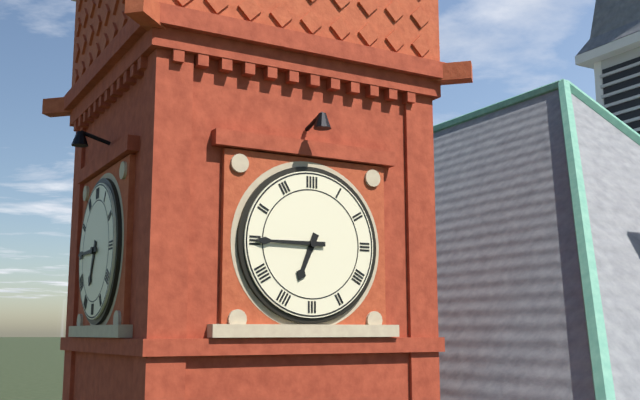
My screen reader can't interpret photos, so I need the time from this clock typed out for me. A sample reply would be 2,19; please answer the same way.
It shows 6,45
